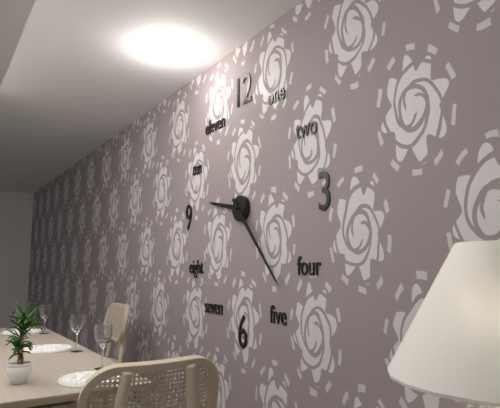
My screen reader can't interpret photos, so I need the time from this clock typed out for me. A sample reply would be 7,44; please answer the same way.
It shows 9,23
